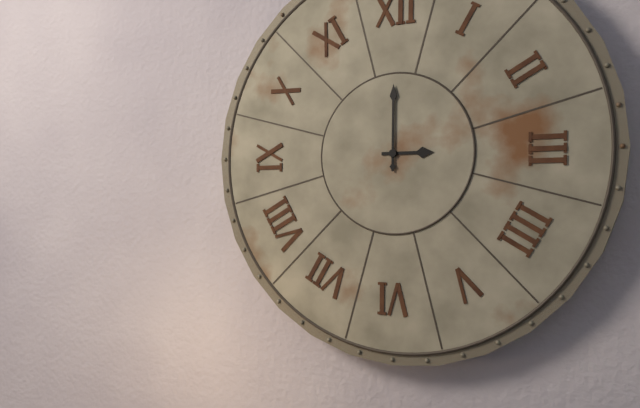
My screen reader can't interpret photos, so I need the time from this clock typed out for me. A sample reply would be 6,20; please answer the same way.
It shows 3,00
